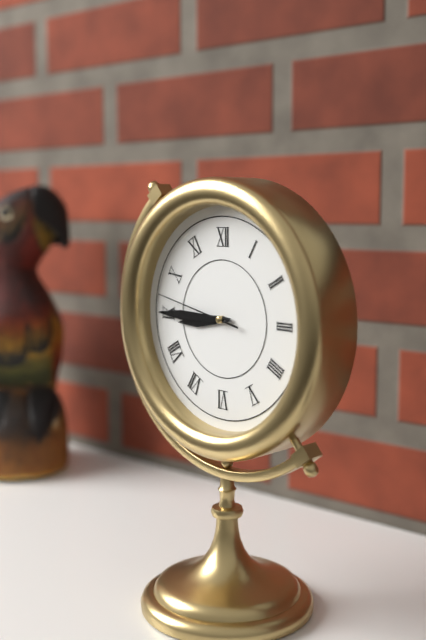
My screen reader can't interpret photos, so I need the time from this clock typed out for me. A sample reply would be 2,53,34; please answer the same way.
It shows 8,45,47
